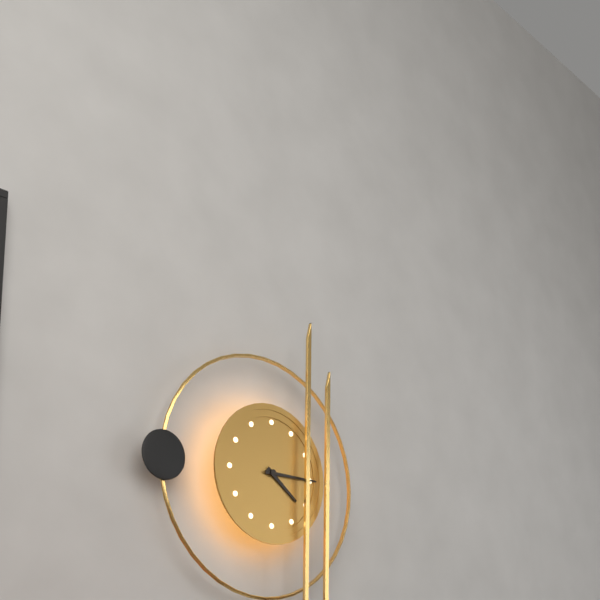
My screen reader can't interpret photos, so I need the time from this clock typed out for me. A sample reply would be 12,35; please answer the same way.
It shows 4,15
